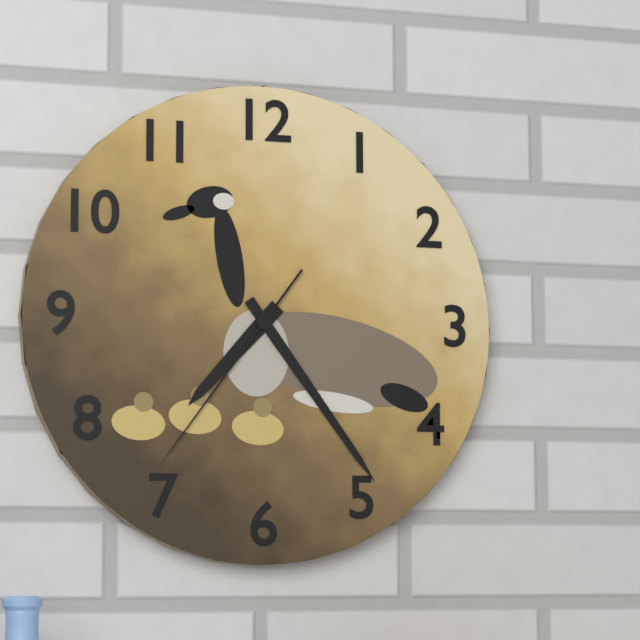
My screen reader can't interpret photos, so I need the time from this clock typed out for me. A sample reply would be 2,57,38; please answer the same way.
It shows 7,24,36
